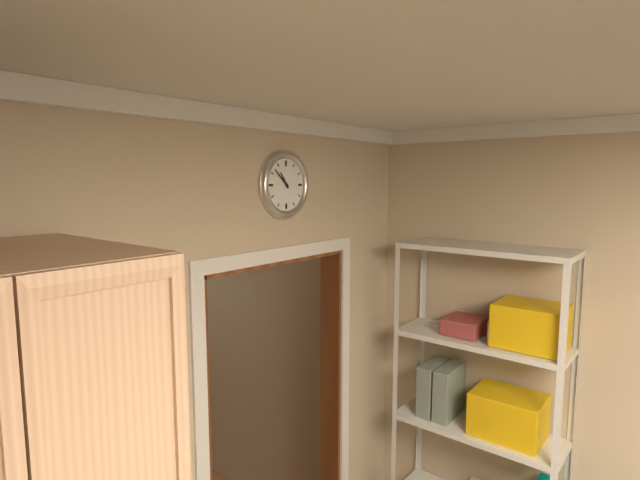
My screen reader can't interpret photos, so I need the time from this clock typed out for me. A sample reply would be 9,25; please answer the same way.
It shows 10,52
